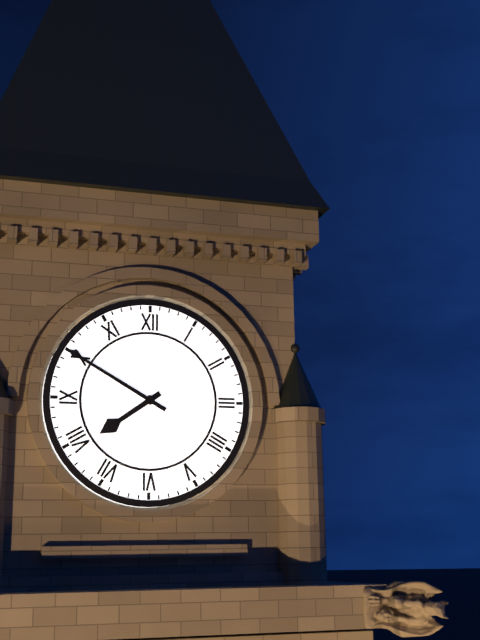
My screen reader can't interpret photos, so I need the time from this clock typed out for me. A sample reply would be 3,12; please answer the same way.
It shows 7,50
